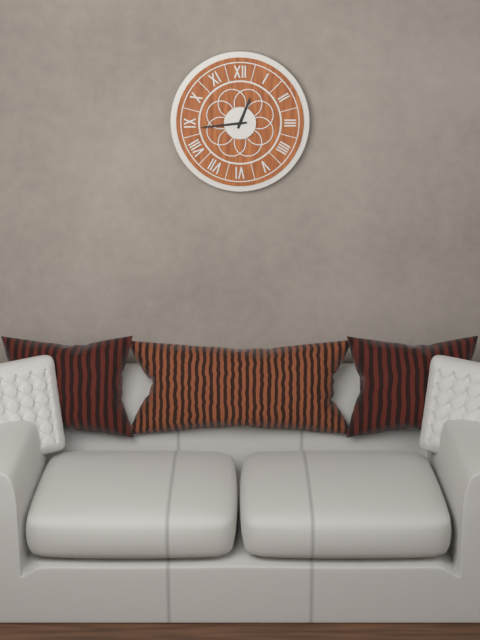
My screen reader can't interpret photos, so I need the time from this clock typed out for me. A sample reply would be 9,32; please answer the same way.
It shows 12,44
